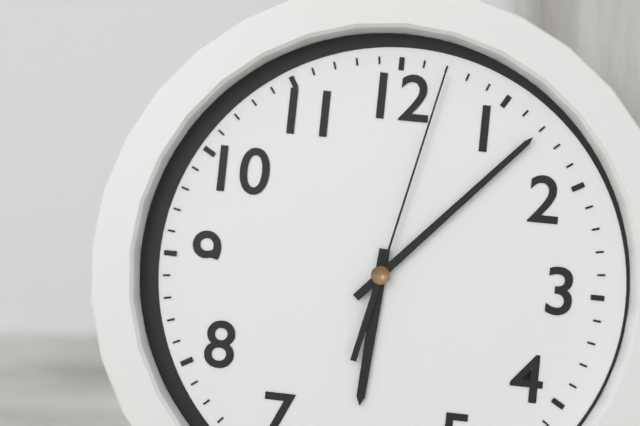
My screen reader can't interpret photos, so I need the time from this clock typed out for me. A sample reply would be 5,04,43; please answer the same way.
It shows 6,07,02
